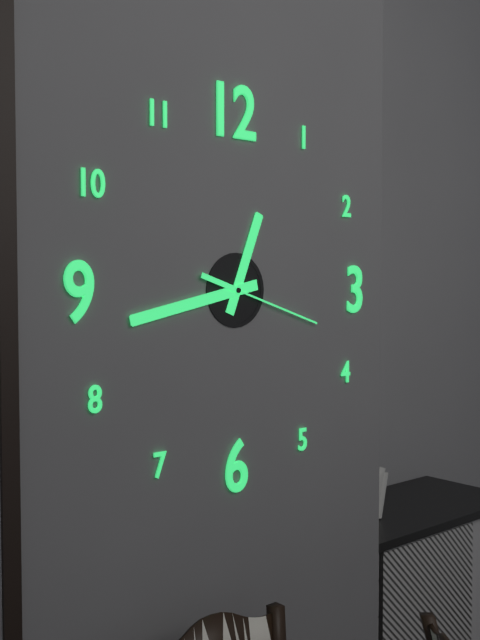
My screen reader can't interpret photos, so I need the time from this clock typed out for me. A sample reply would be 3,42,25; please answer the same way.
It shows 12,43,18
